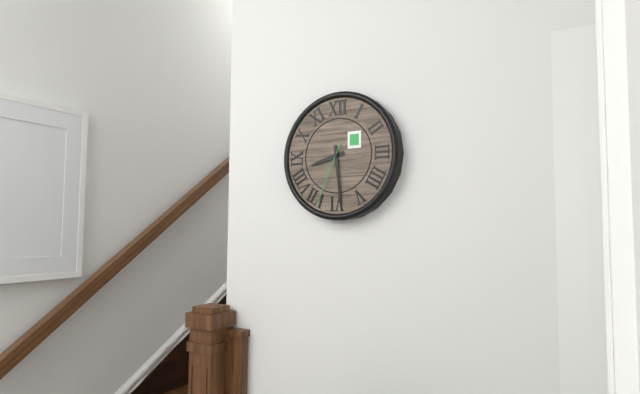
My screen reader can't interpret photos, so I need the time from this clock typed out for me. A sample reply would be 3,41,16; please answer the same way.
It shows 8,29,34
